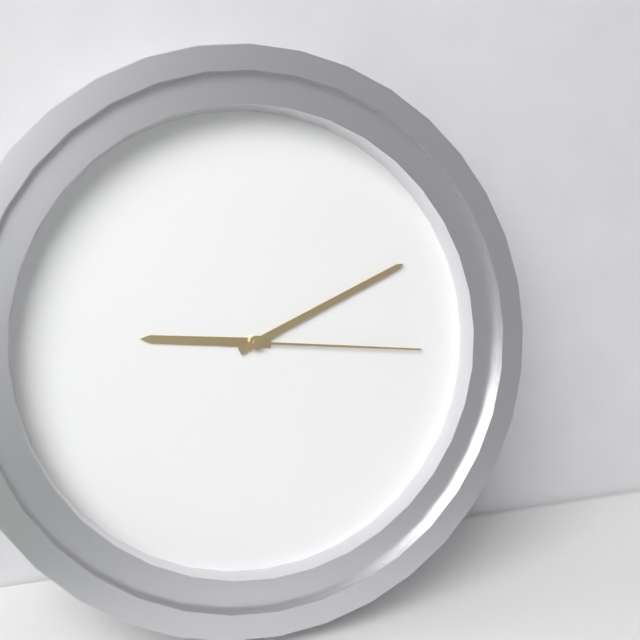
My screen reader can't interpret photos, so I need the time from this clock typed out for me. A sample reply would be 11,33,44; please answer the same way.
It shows 9,11,16
